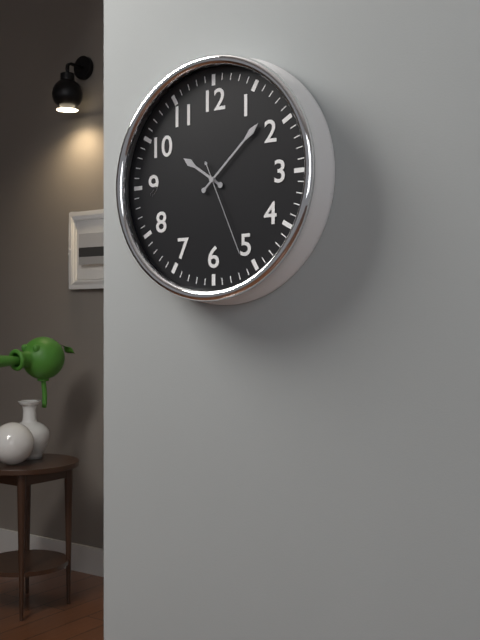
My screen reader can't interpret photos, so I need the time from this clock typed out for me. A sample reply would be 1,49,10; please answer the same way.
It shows 10,08,26
